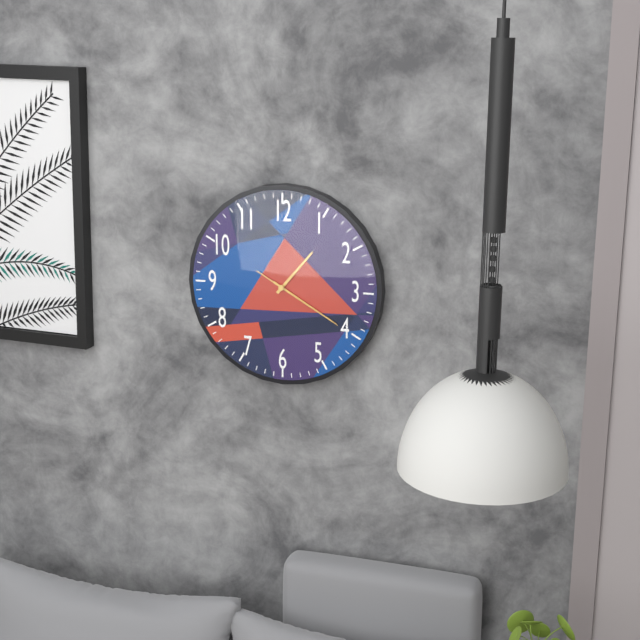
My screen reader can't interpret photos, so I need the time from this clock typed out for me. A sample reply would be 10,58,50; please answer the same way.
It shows 1,20,20
